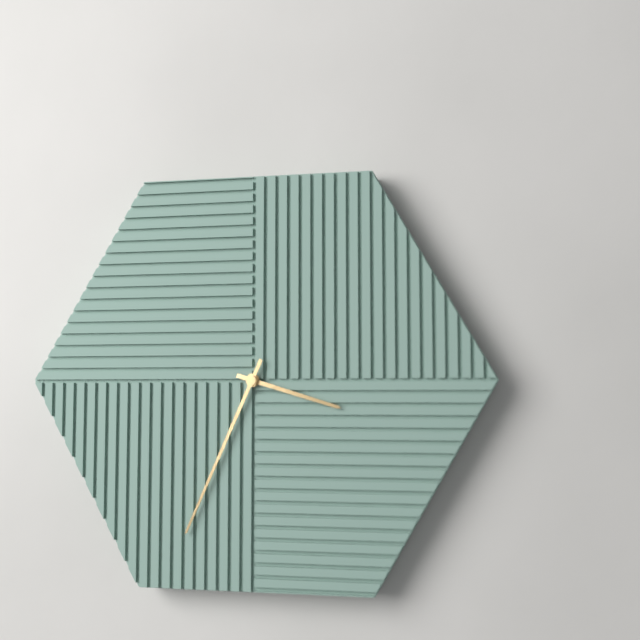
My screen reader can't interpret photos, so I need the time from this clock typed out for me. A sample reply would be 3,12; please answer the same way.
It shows 3,34
